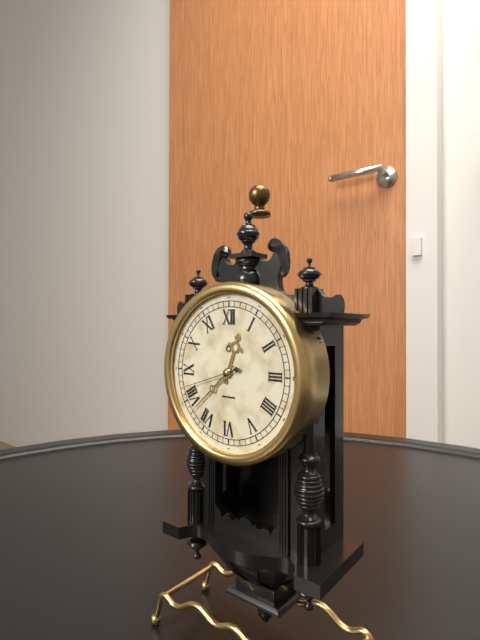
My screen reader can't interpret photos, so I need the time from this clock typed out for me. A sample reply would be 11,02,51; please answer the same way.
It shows 12,38,42
